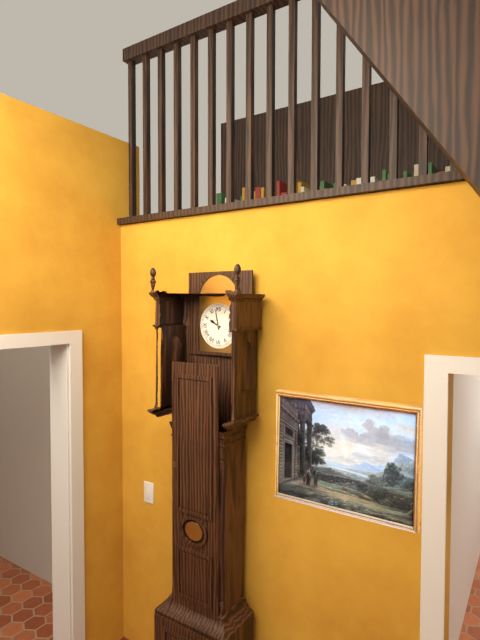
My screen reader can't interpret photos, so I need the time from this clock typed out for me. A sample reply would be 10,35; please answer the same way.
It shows 9,58
